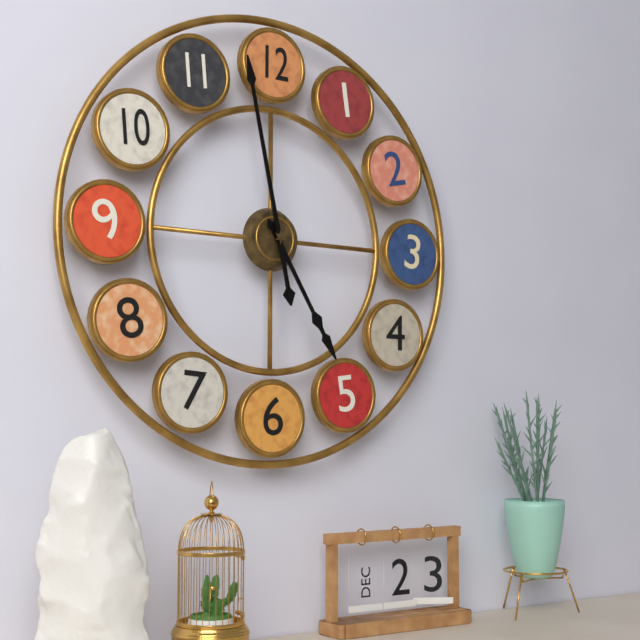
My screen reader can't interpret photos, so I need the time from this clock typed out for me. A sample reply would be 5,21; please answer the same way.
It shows 4,58
